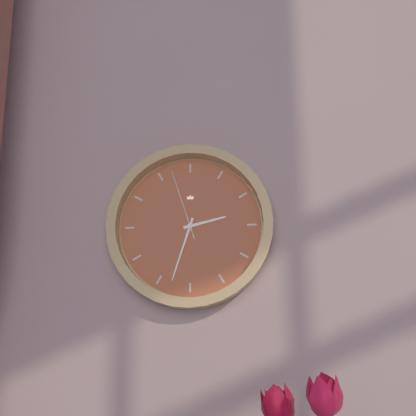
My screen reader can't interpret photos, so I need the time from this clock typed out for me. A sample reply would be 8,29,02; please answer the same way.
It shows 2,33,57
